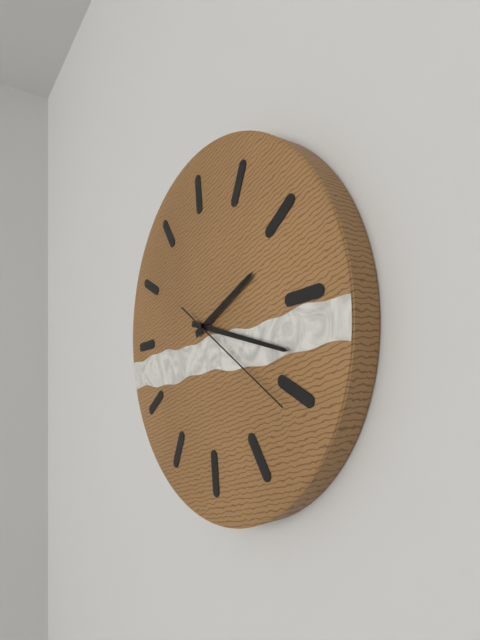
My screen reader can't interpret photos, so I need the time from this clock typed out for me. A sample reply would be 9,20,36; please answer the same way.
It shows 2,18,21
